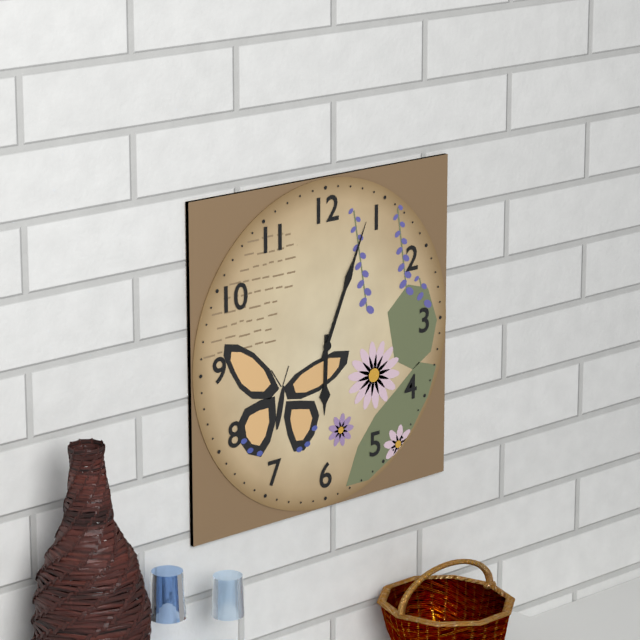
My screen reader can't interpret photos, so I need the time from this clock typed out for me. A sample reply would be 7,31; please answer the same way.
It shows 6,04
